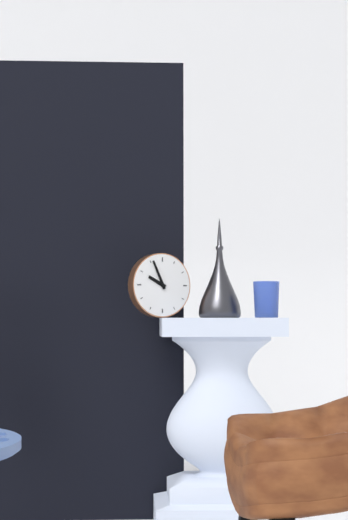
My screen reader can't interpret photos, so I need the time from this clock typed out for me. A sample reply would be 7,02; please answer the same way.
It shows 9,56
